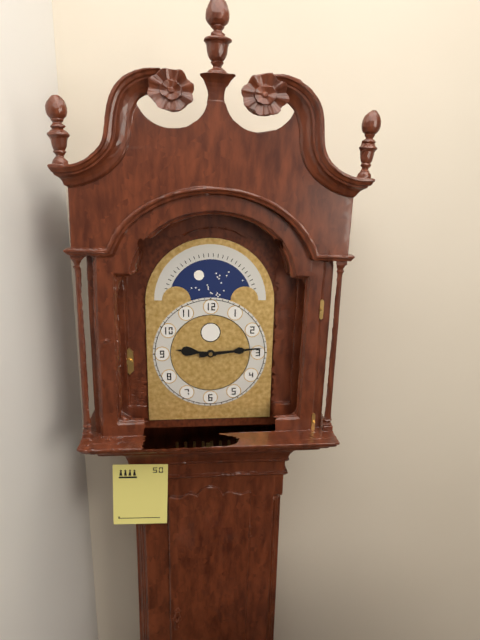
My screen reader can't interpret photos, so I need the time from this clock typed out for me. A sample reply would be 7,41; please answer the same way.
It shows 9,14
